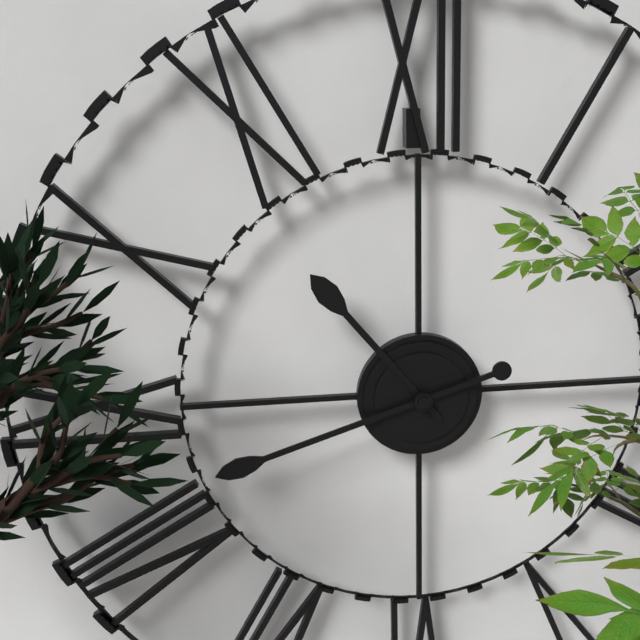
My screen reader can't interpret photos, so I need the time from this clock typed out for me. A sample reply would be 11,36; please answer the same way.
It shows 10,42
